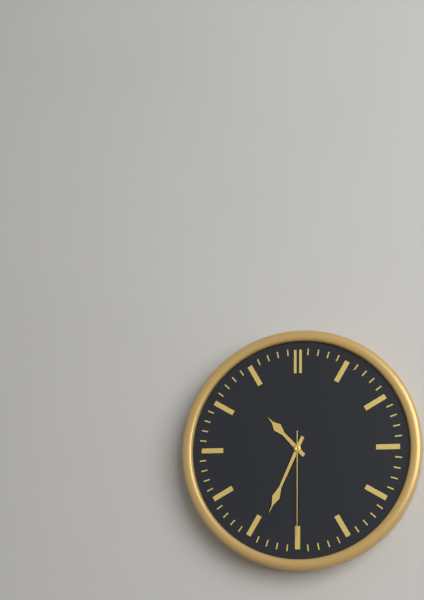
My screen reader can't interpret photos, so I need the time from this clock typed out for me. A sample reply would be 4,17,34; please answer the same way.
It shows 10,34,30
